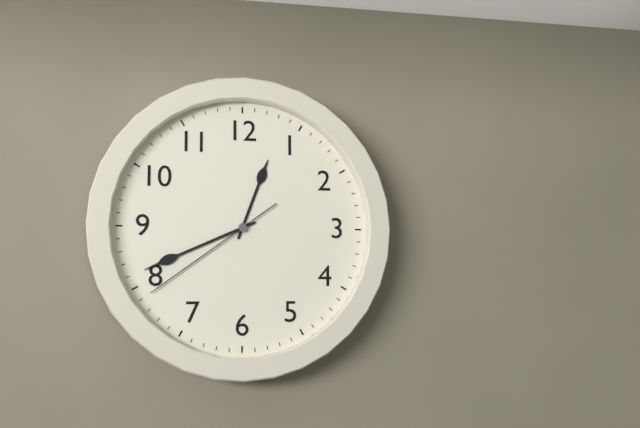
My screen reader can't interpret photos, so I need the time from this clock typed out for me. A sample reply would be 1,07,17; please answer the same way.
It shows 12,41,39
